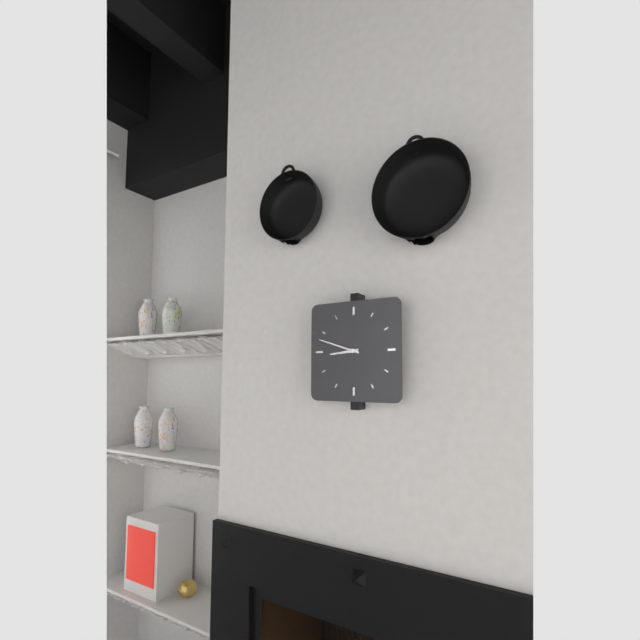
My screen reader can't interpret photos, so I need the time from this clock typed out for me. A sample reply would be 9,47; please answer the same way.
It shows 8,48
